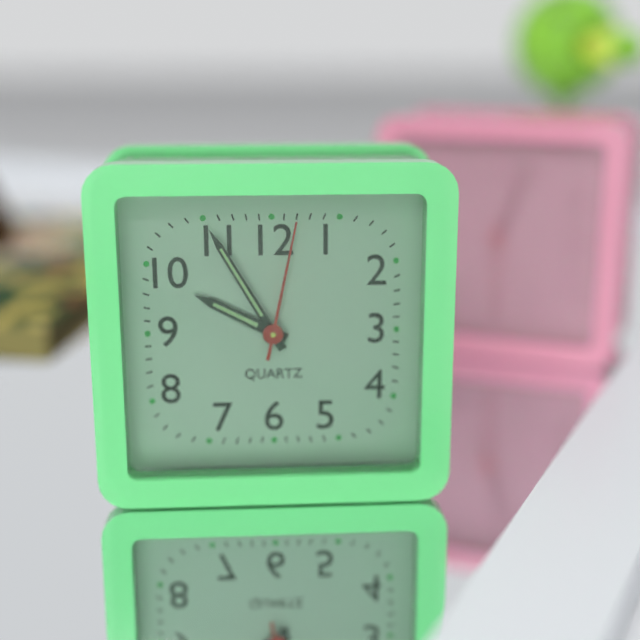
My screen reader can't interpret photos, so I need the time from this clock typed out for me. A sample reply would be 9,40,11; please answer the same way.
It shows 9,55,02
